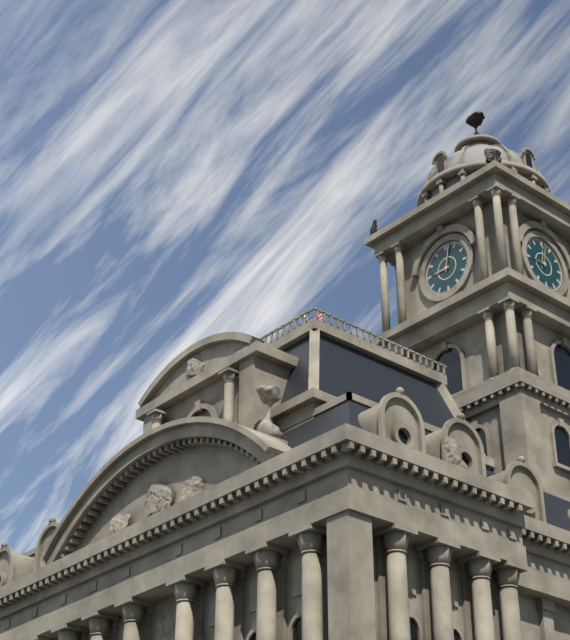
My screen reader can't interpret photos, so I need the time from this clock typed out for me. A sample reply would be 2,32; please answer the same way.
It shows 9,02
